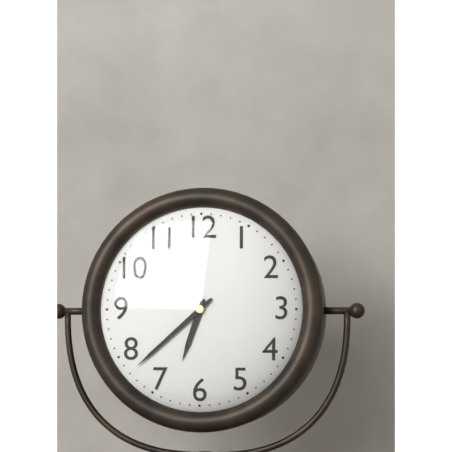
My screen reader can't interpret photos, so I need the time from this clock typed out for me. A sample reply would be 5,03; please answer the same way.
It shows 6,38
